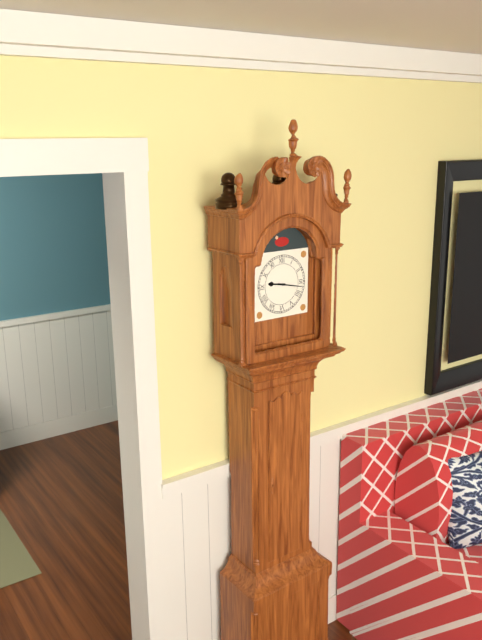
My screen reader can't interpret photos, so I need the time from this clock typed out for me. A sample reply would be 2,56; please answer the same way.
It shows 9,17
